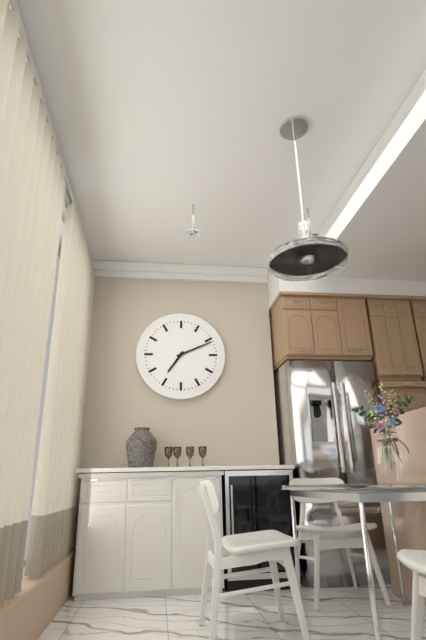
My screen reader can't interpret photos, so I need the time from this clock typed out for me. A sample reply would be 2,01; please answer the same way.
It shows 7,11
